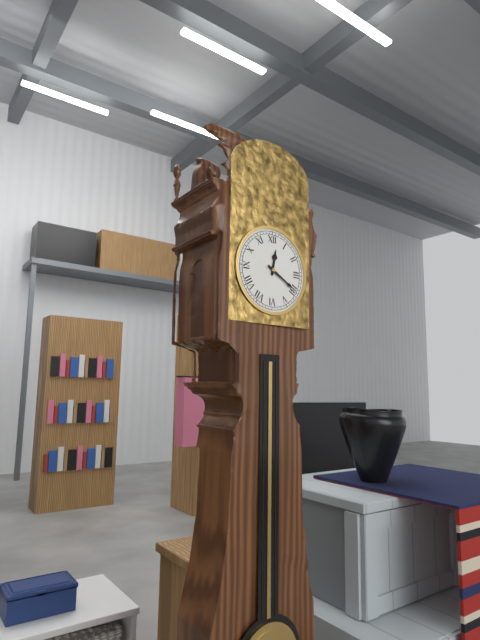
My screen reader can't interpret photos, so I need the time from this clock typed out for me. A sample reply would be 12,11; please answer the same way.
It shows 12,20
